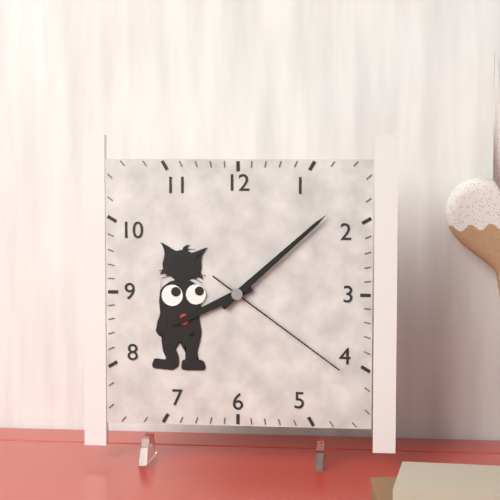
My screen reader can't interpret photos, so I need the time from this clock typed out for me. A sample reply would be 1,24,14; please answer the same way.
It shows 8,08,21
